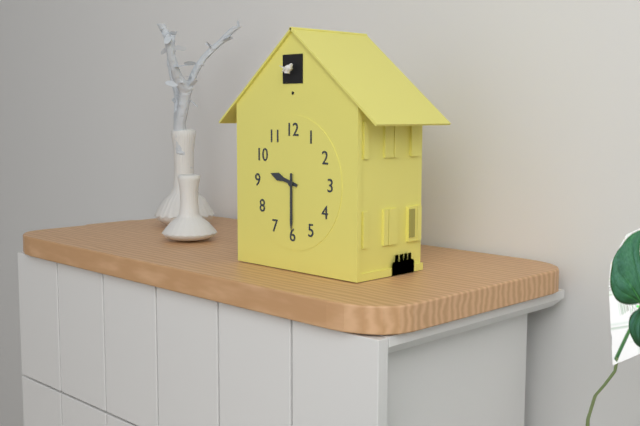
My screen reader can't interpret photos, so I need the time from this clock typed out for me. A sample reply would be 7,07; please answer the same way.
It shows 9,30
